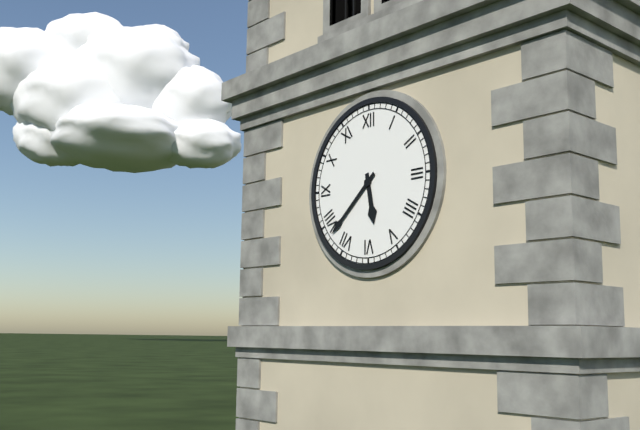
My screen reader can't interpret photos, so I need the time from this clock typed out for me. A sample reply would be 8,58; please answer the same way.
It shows 5,38
